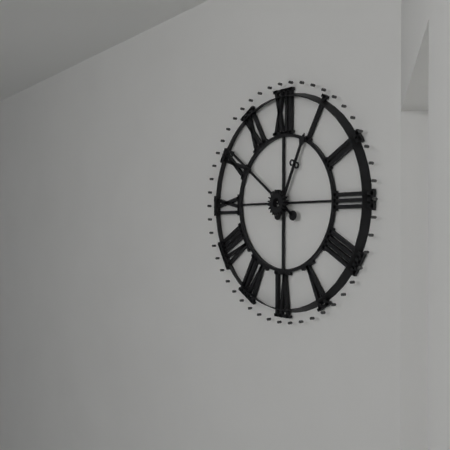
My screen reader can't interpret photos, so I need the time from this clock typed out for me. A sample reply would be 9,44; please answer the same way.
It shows 12,51
